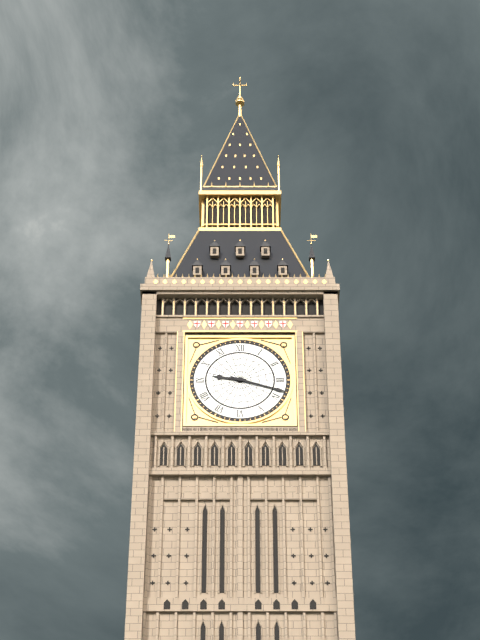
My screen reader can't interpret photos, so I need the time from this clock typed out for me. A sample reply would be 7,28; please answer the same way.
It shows 9,18
